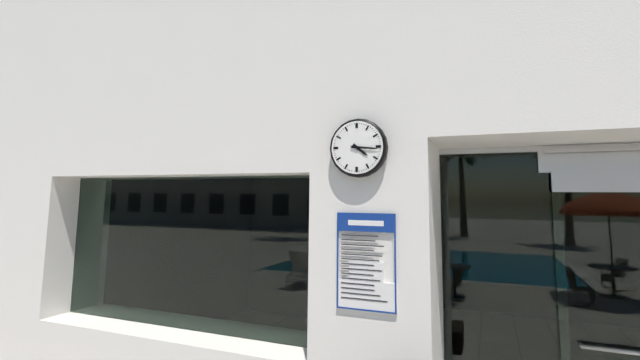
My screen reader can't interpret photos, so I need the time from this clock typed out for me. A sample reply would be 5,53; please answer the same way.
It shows 4,16
